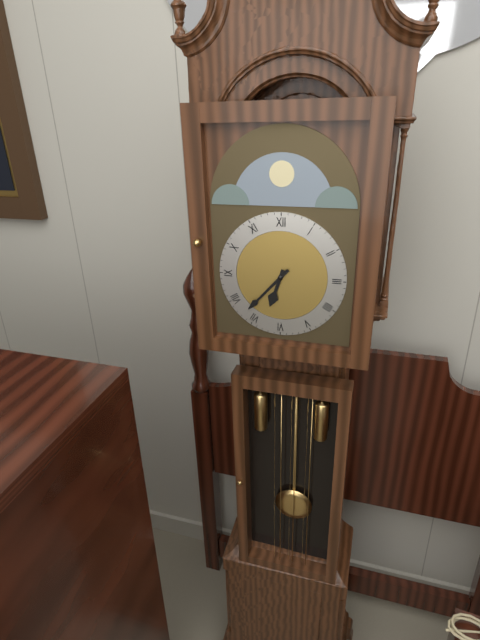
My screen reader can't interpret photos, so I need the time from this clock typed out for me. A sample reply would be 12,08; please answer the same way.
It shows 6,37
